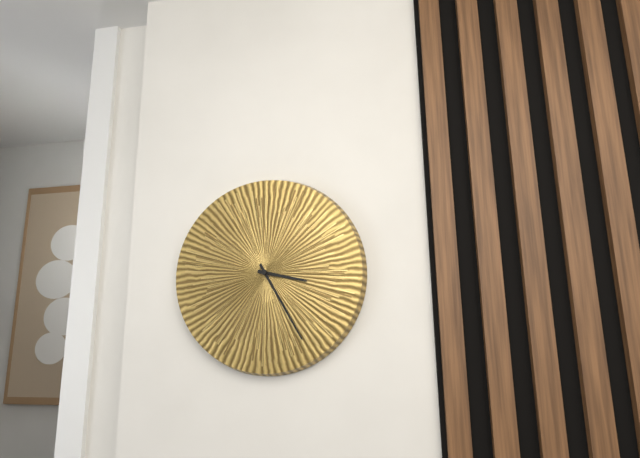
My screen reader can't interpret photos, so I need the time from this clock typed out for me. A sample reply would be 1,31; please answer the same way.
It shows 3,25
